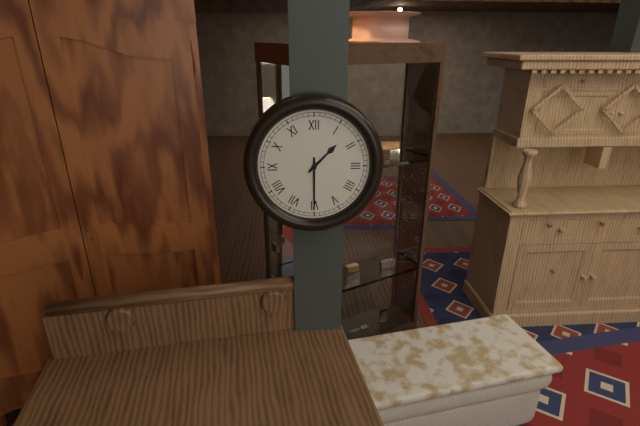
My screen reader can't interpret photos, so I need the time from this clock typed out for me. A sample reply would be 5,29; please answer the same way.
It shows 1,30
